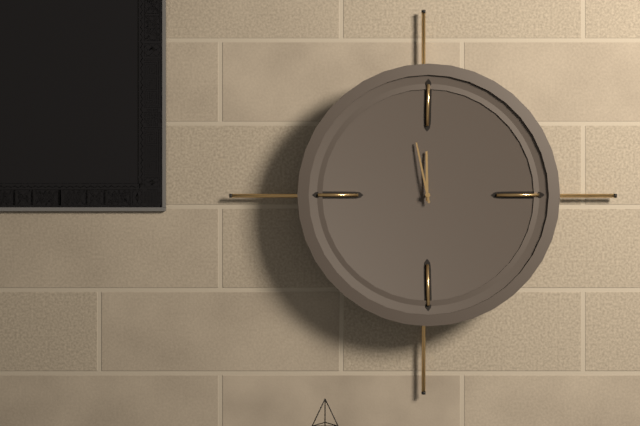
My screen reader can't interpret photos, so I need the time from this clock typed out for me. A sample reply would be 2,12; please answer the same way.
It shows 11,58
